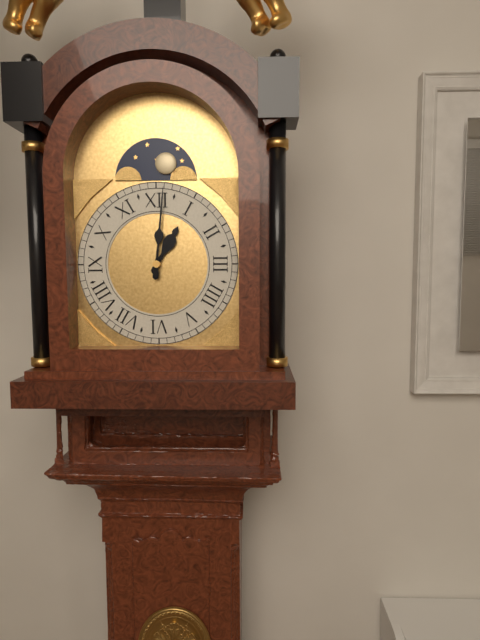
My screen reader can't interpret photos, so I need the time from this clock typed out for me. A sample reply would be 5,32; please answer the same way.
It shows 1,01
